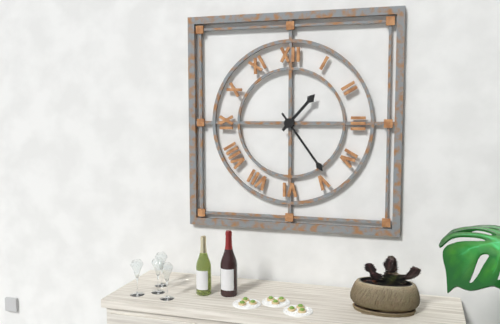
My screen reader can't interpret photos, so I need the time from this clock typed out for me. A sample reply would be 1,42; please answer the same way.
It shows 1,24
